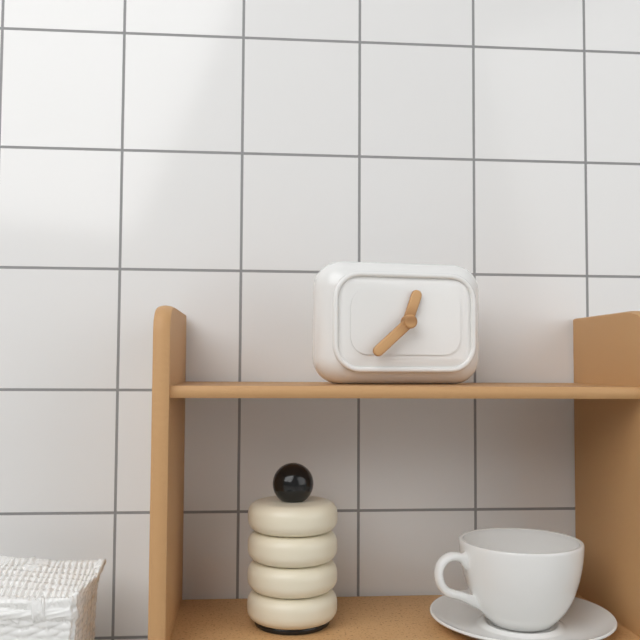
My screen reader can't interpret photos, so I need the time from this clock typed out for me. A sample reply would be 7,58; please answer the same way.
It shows 12,38
